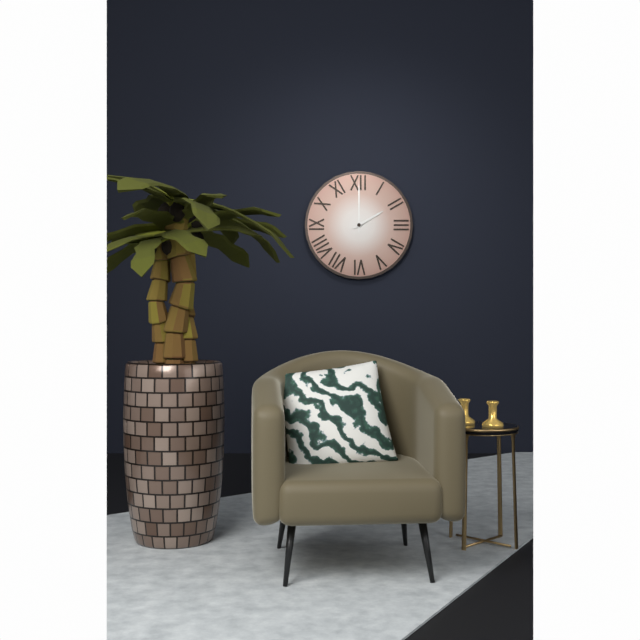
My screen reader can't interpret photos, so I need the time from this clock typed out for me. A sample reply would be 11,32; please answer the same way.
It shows 2,00
